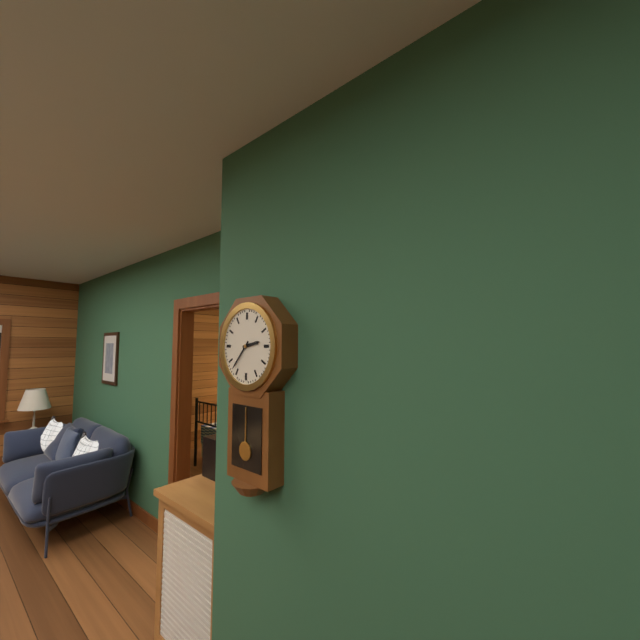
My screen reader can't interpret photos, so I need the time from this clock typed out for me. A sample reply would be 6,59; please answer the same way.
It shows 2,37
